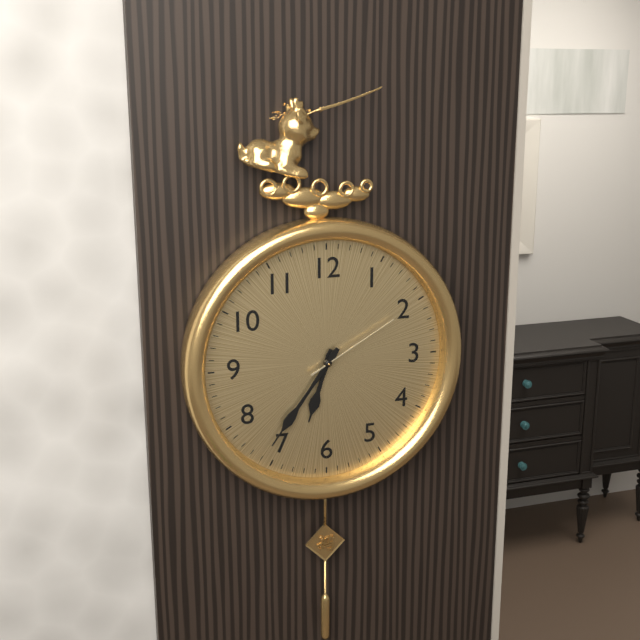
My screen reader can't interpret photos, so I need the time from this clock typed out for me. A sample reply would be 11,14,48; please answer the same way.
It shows 6,36,10
